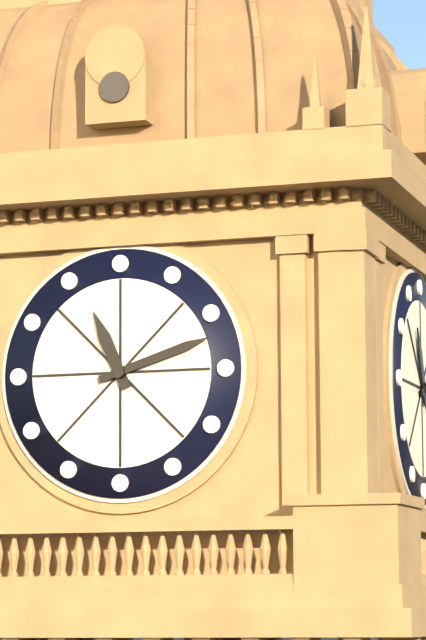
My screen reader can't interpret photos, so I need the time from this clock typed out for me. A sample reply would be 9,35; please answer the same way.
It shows 11,12
